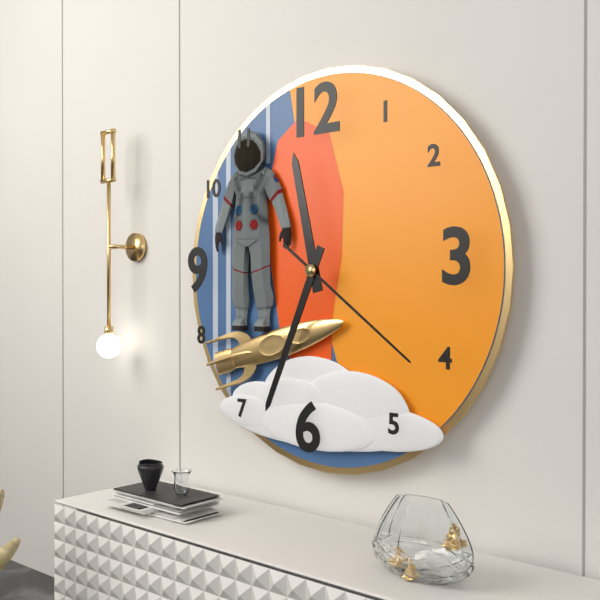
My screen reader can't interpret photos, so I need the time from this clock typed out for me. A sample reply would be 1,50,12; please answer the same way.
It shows 11,34,21
